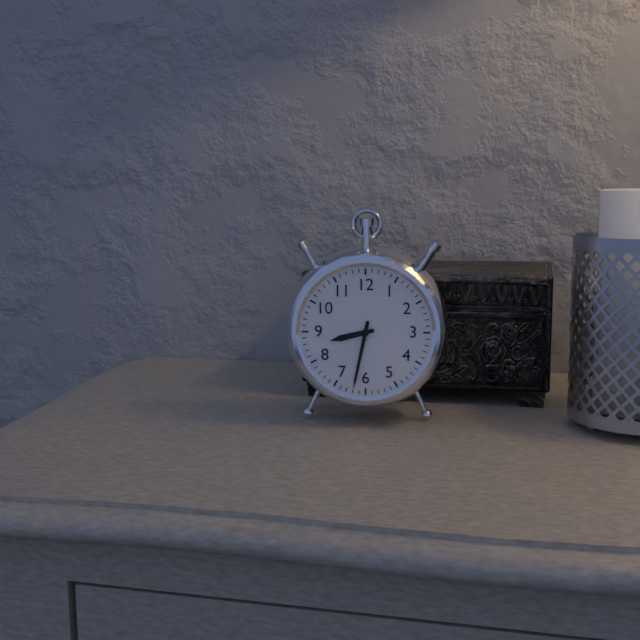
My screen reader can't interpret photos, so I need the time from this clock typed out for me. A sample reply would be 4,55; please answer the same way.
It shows 8,32
